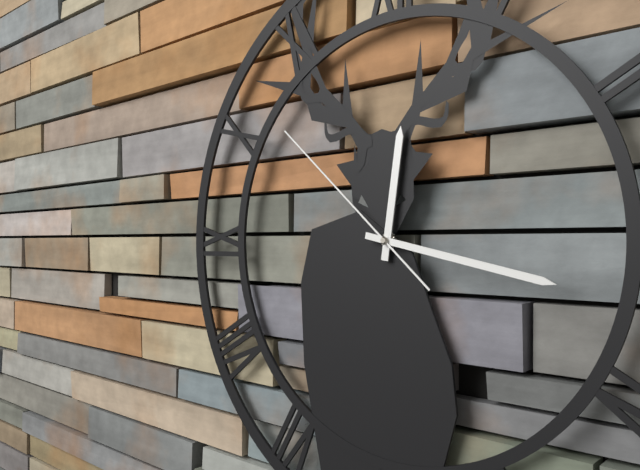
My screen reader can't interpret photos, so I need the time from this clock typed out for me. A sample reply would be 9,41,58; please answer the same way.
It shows 12,17,52
